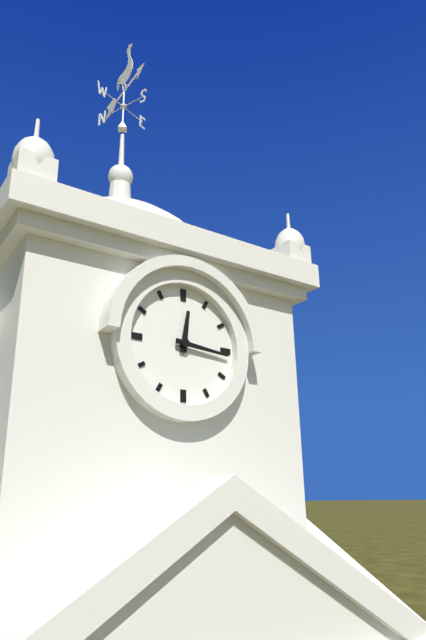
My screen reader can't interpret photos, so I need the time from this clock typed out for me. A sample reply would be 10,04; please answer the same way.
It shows 12,16
